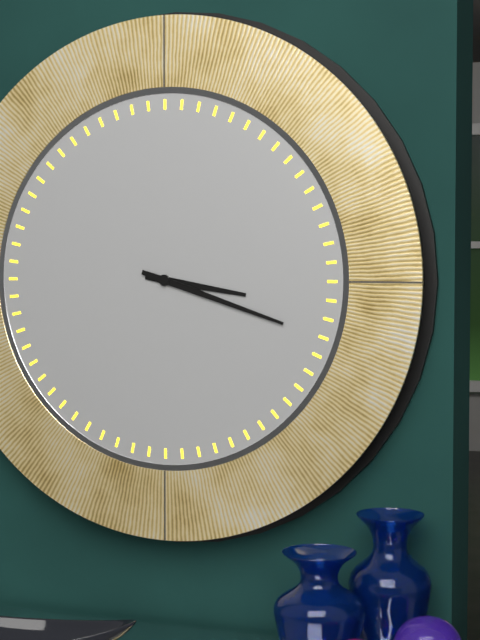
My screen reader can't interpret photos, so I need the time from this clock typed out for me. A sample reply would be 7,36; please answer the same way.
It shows 3,18
